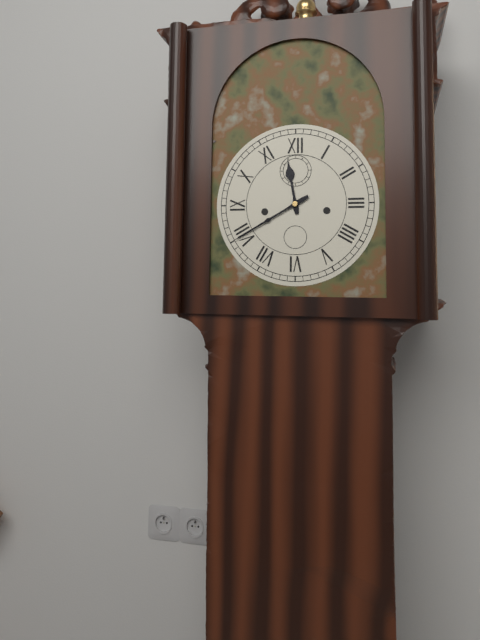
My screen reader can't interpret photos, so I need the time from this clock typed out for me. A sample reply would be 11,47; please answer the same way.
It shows 11,40
